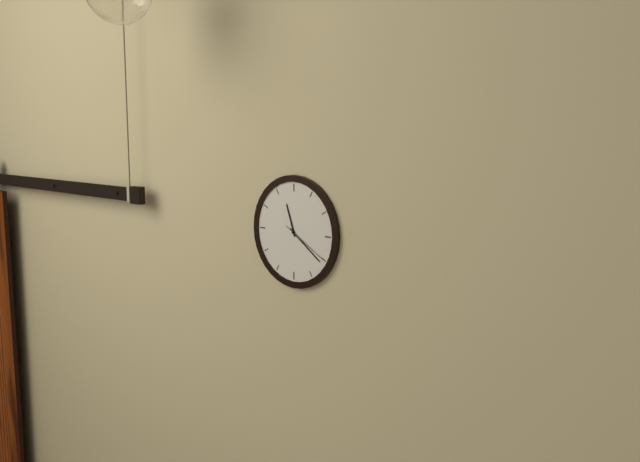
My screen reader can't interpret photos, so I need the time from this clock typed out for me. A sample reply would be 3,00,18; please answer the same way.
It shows 11,21,20
